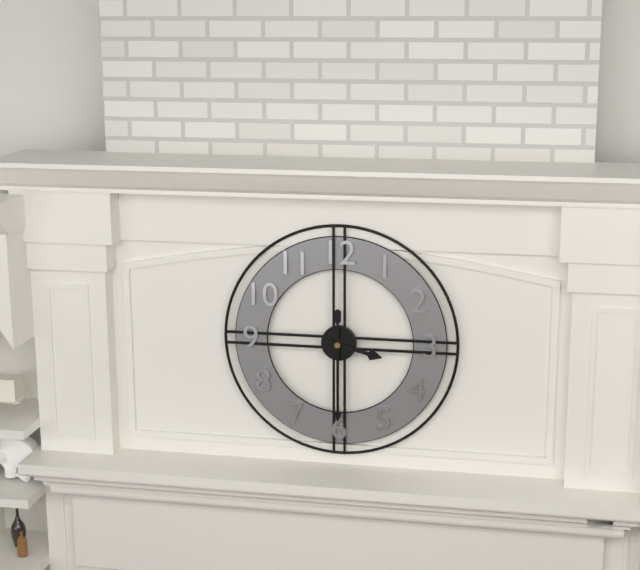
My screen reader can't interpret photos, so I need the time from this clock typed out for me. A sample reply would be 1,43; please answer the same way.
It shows 3,30
